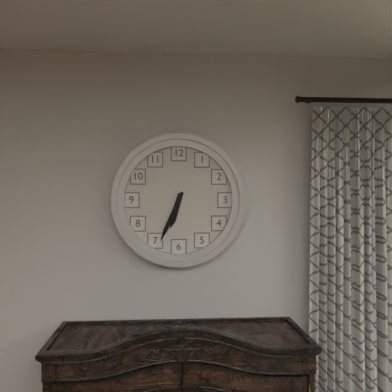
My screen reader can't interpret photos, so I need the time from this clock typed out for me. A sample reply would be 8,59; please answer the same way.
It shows 6,34
